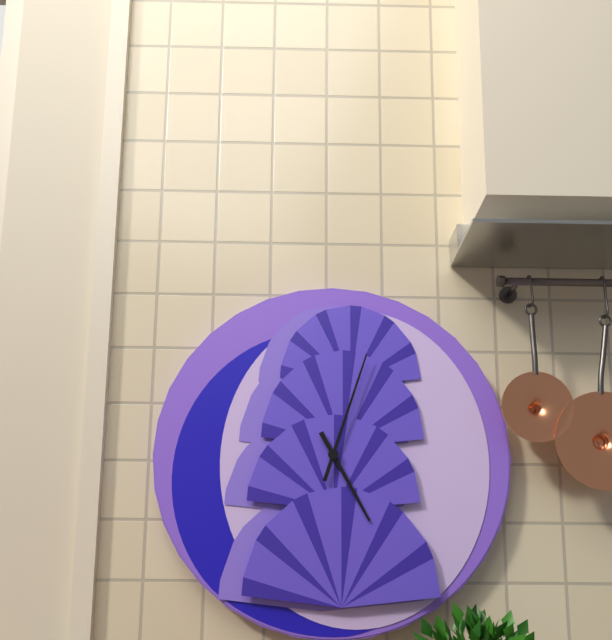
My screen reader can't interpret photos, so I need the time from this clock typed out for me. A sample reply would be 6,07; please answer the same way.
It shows 5,03
